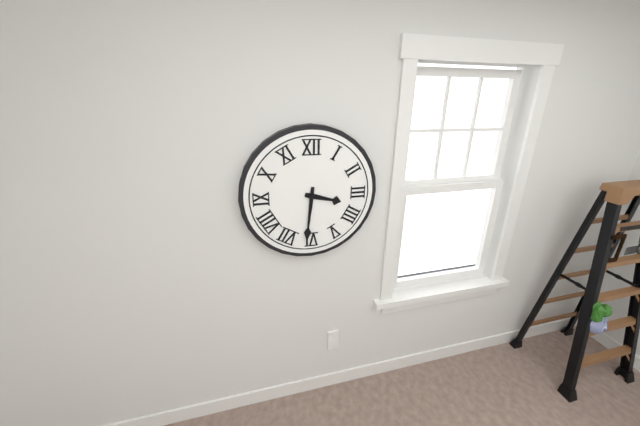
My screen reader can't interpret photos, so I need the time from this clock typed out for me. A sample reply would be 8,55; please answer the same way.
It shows 3,31
